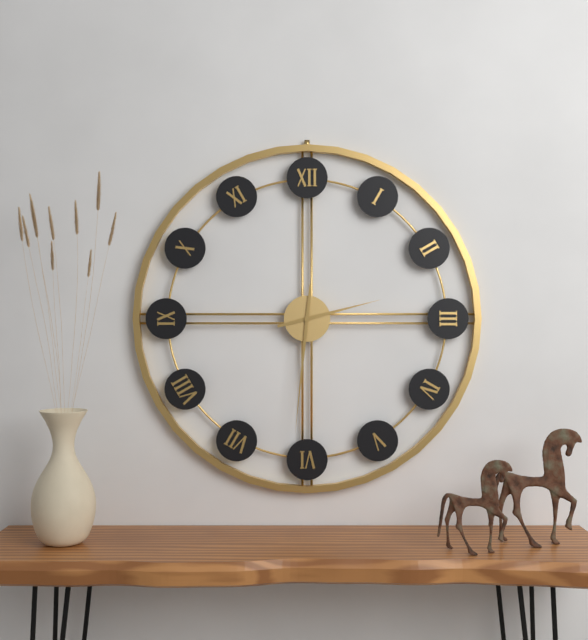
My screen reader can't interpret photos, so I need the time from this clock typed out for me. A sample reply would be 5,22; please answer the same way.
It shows 2,31
